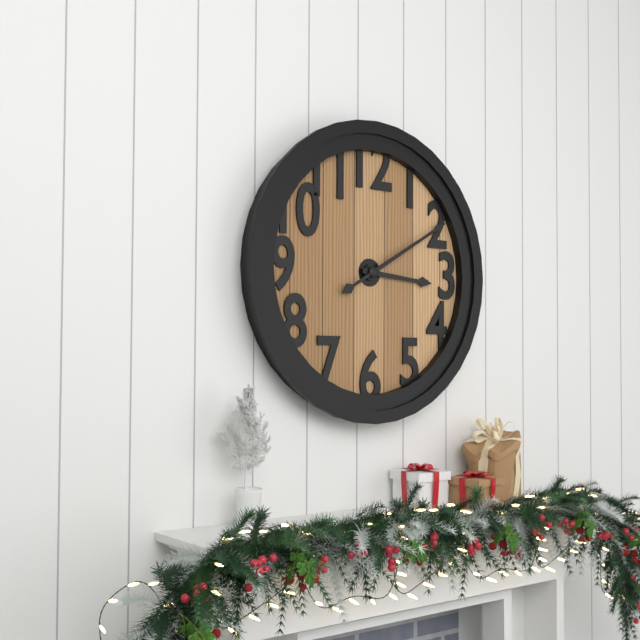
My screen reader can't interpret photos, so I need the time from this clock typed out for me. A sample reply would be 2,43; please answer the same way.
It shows 3,10
